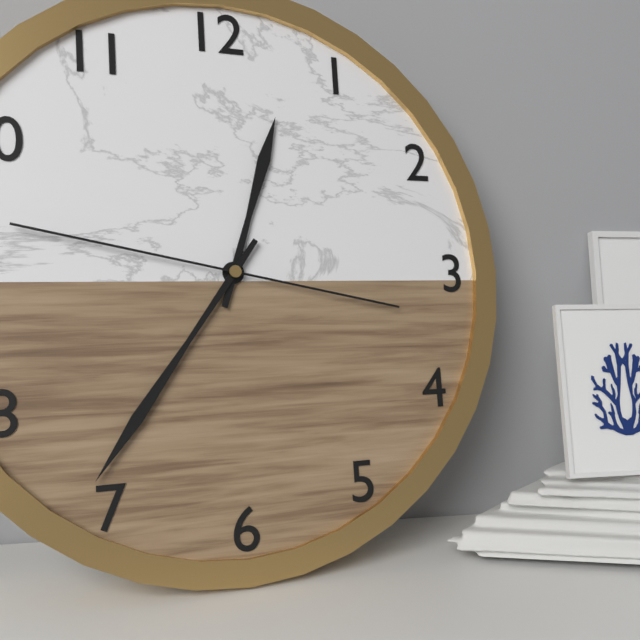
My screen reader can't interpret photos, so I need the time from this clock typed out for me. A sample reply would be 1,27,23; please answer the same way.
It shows 12,36,47
